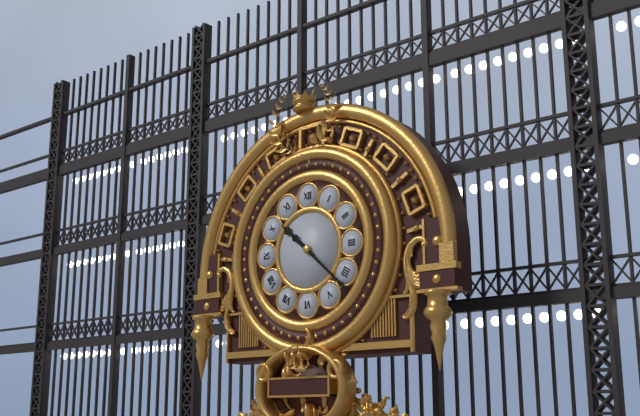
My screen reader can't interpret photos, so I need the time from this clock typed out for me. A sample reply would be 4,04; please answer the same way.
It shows 10,22
